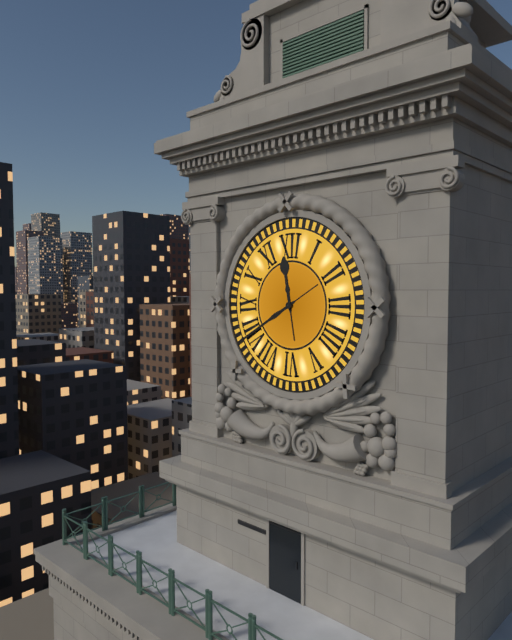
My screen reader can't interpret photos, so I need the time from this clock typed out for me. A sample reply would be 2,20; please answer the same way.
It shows 11,40
